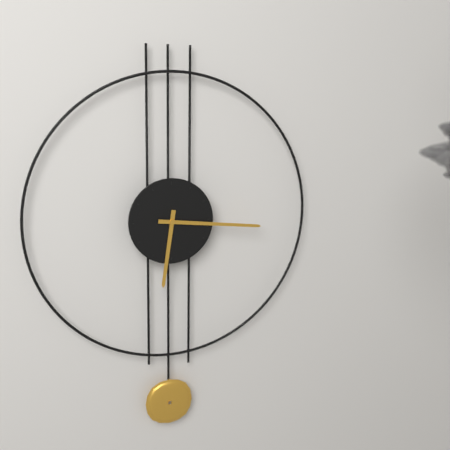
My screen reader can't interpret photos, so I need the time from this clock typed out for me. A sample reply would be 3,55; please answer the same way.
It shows 6,16
